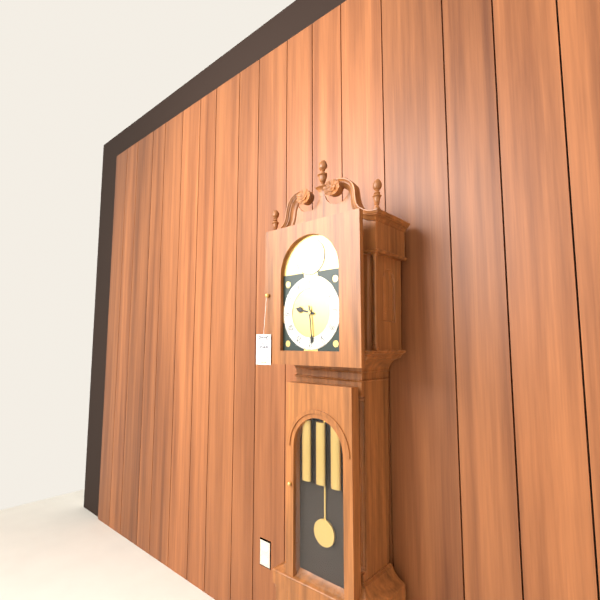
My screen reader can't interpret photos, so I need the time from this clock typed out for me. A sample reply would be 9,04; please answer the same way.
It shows 9,29
